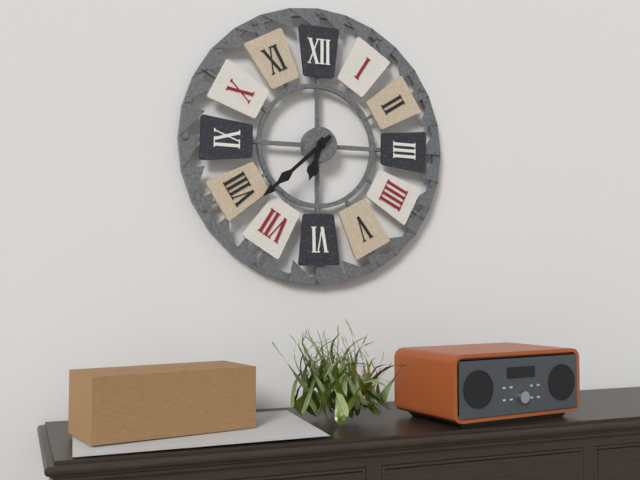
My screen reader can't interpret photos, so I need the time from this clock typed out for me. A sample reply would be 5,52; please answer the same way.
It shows 6,38
